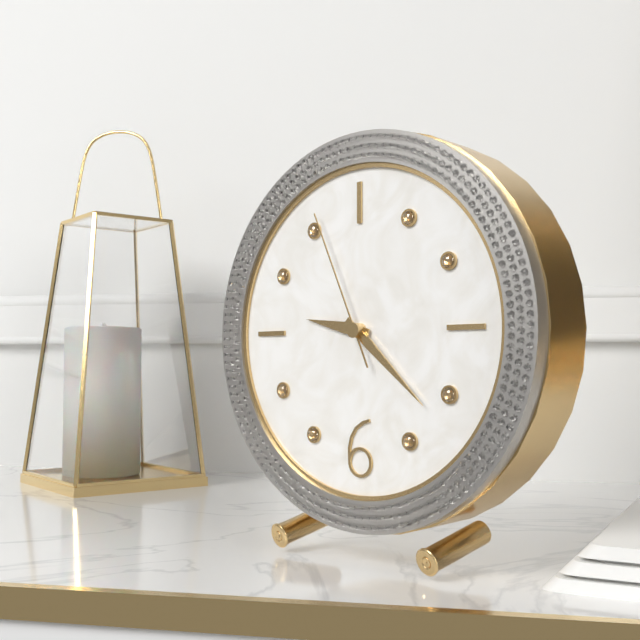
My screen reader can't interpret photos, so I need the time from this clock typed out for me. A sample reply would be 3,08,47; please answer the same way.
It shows 9,22,56
